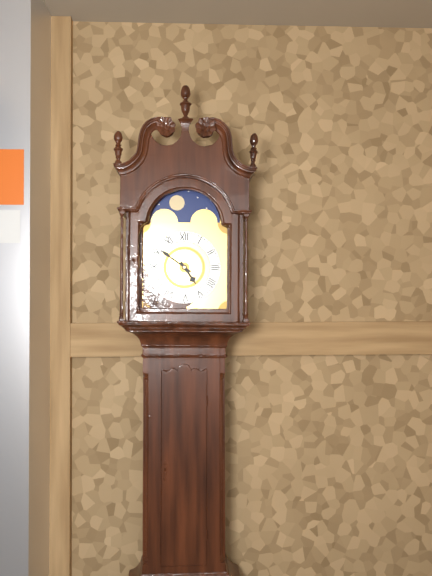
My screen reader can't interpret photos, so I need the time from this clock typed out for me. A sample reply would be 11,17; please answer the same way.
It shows 4,51
